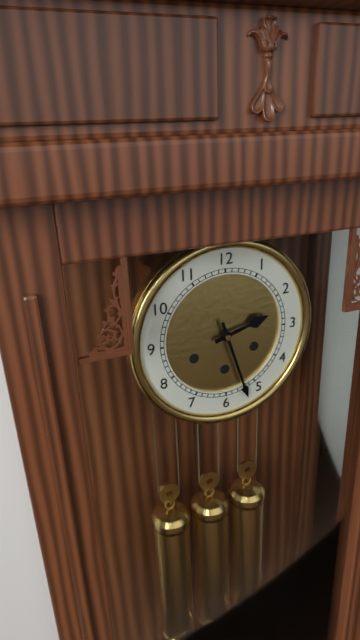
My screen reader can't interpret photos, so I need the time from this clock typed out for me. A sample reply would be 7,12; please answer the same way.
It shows 2,27
